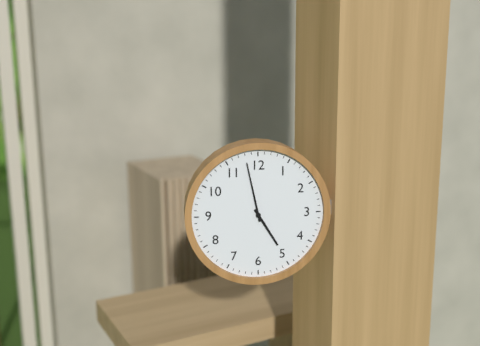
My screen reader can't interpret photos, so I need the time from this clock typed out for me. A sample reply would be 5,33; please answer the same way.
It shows 4,58
